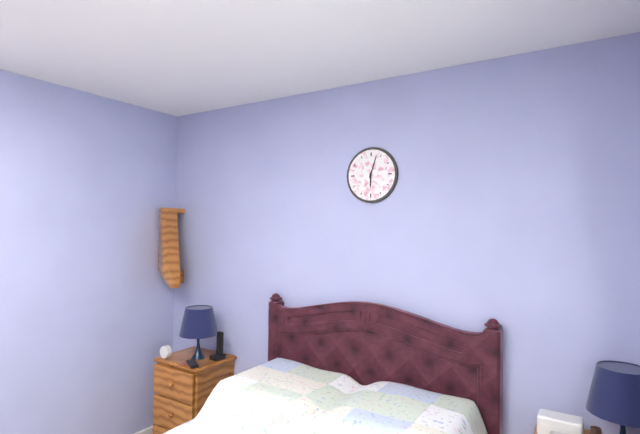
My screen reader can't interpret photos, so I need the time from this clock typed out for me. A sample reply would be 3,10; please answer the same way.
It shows 6,03
